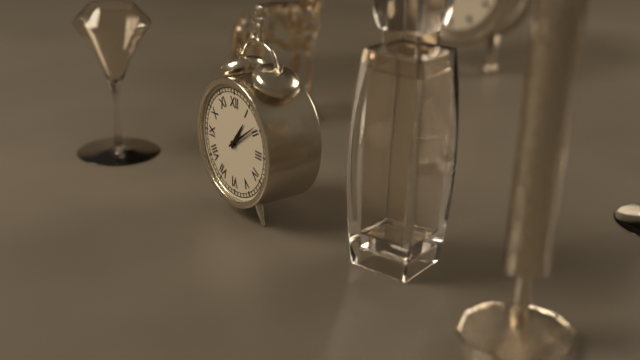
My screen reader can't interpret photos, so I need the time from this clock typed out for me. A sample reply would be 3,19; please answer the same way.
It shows 1,09
